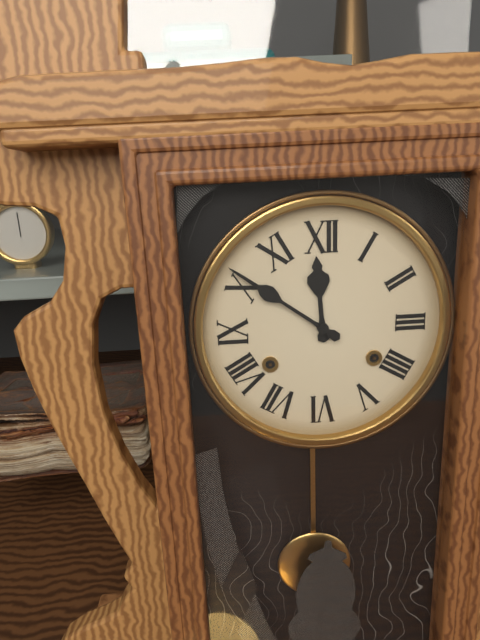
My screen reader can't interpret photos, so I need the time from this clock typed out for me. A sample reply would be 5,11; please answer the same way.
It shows 11,51
